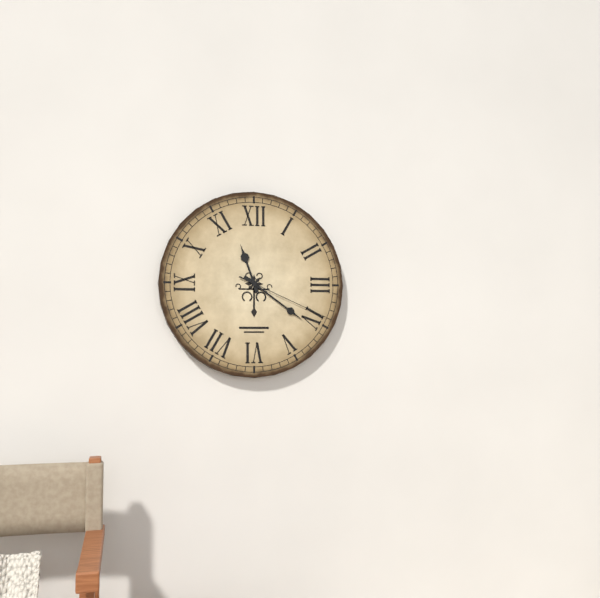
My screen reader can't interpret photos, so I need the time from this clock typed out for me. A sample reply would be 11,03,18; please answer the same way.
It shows 11,21,19
